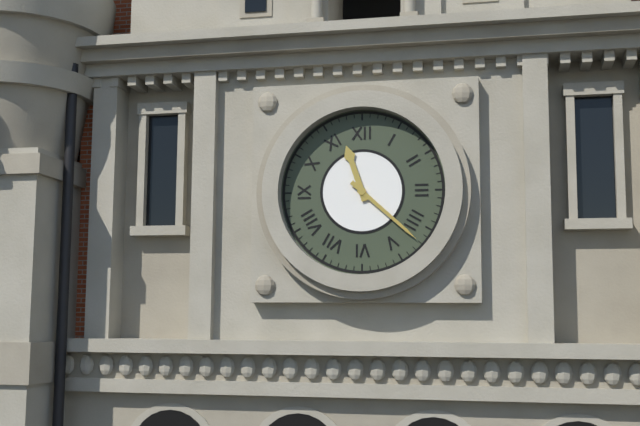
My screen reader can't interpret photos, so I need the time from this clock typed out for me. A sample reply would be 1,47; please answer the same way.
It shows 11,22
